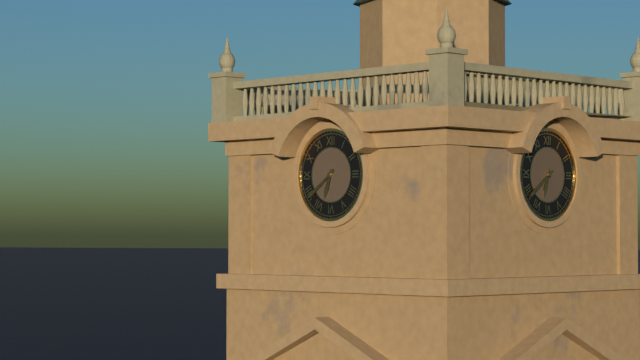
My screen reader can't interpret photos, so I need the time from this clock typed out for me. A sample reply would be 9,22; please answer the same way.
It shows 6,39
